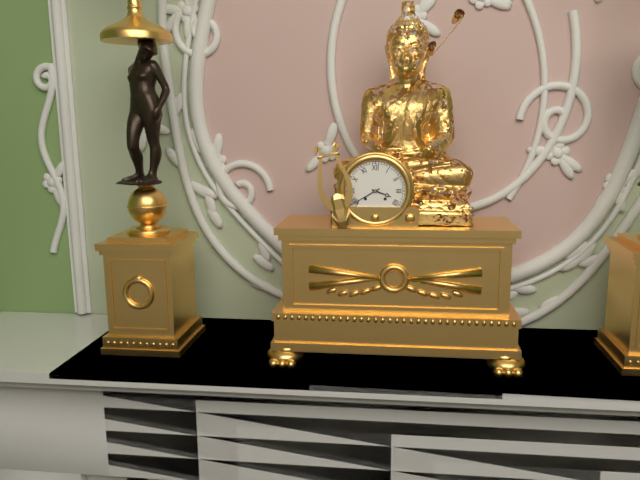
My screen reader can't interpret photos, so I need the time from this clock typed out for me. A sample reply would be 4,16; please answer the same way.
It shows 3,40
